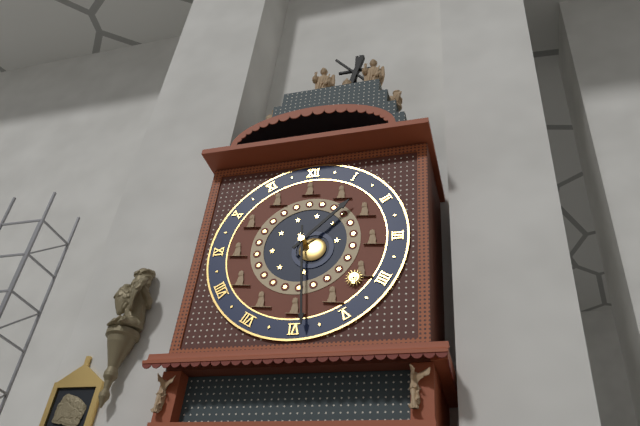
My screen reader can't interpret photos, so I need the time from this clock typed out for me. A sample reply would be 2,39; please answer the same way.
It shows 1,29
